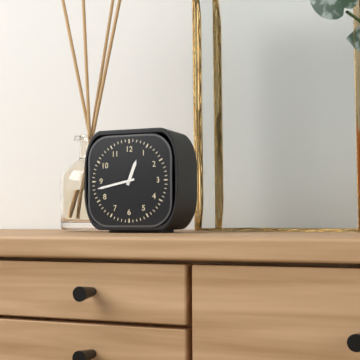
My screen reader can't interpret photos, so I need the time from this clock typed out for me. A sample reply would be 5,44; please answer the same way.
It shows 12,43
